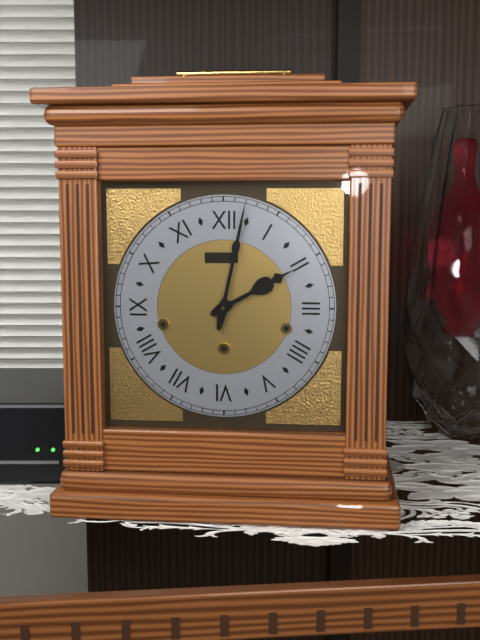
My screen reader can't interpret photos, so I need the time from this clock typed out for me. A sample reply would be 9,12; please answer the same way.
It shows 2,02
